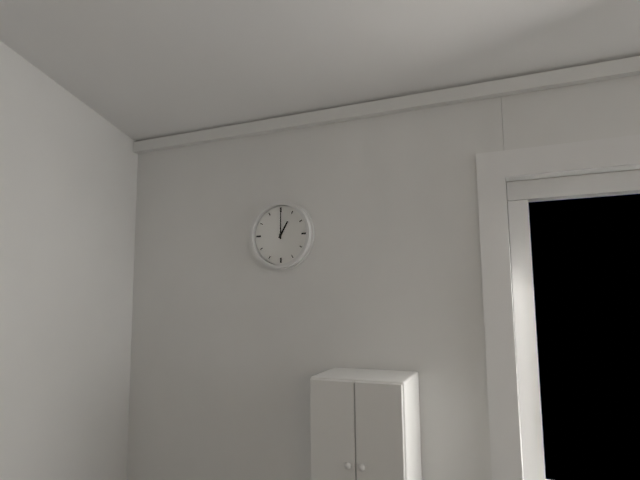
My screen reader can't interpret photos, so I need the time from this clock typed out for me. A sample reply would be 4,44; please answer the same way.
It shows 1,00
